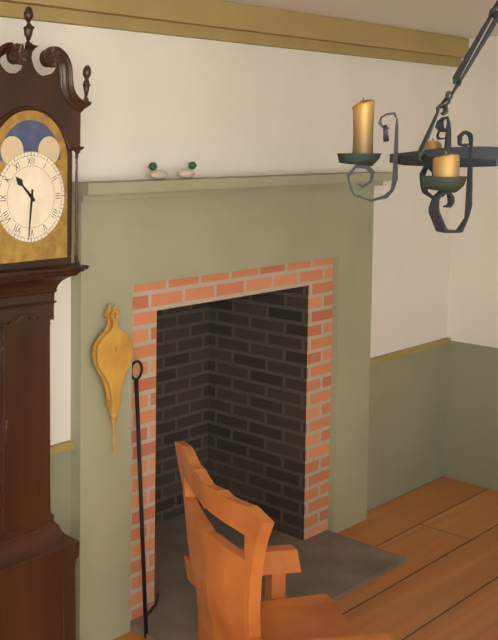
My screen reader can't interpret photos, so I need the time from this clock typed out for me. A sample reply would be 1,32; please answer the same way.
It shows 10,31
